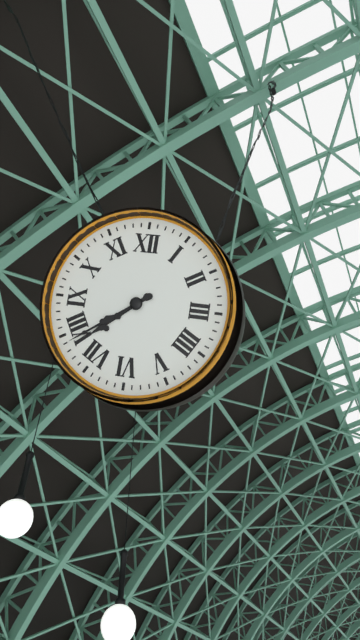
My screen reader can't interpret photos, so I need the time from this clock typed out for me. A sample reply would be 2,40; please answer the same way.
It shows 7,39
